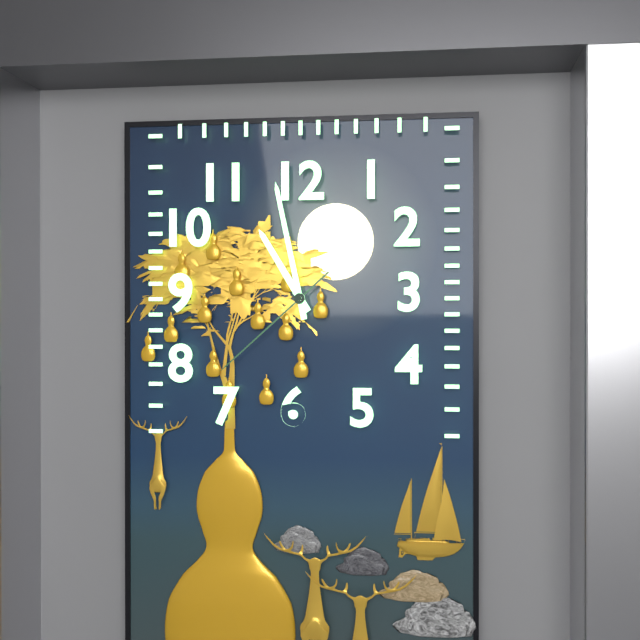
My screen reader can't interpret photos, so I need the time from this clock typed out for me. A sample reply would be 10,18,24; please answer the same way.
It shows 10,58,38
